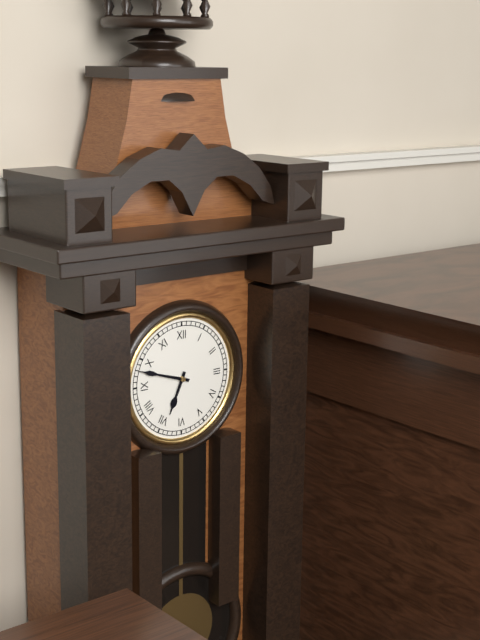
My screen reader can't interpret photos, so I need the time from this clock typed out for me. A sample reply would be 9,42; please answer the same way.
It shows 6,48
